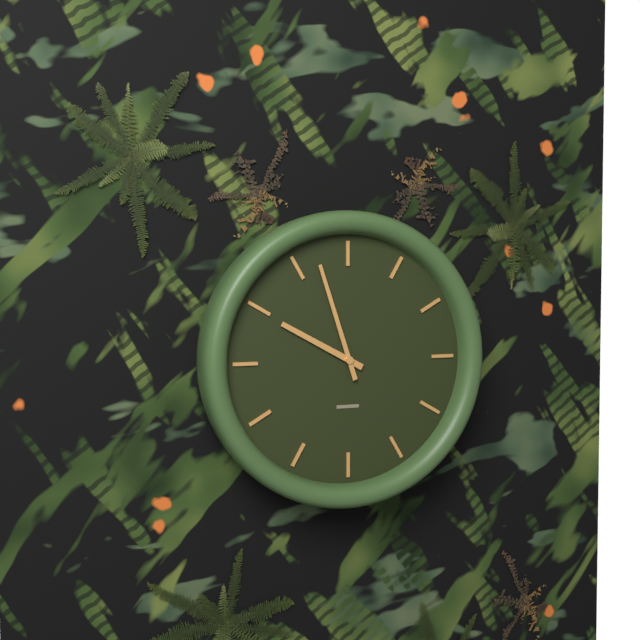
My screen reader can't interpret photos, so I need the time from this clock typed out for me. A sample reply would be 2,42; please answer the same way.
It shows 9,57
